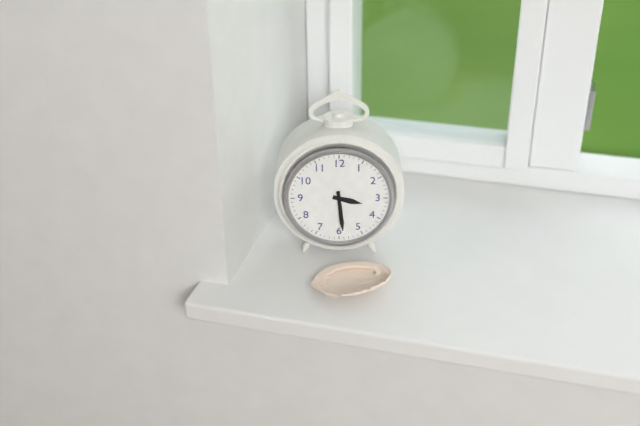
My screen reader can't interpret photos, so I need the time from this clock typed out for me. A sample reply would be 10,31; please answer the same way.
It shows 3,29
